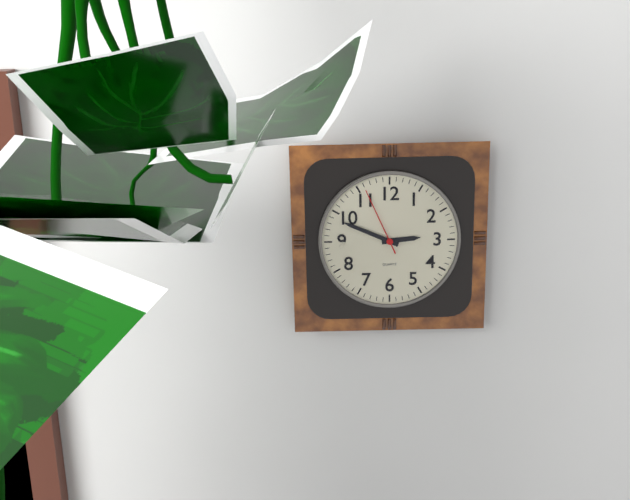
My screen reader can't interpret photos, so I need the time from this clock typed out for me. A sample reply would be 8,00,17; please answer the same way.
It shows 2,49,56
